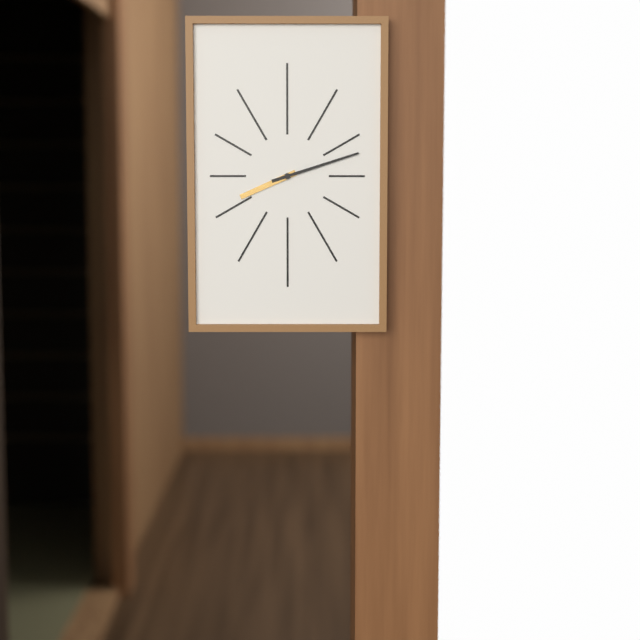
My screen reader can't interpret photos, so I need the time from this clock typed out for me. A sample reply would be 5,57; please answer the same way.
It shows 8,12
